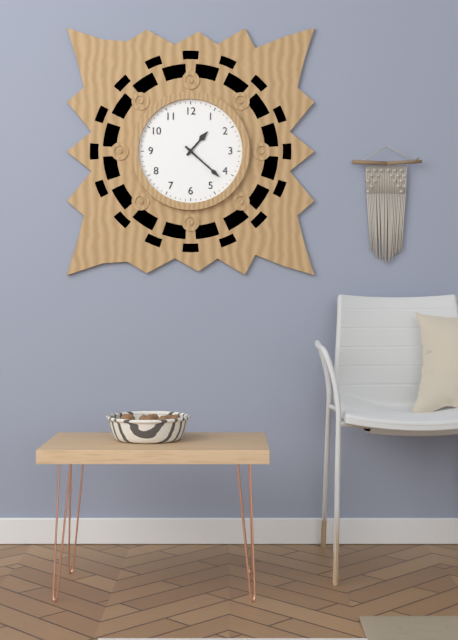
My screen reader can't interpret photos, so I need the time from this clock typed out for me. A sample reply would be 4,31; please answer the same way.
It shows 1,22
